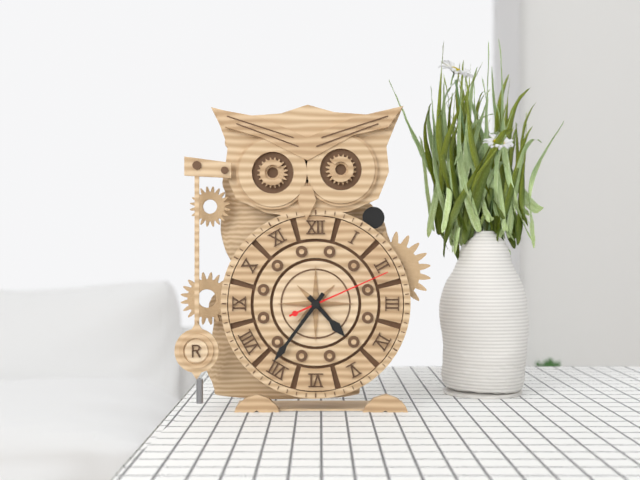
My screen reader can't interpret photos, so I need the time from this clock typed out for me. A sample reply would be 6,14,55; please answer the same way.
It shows 4,36,11
